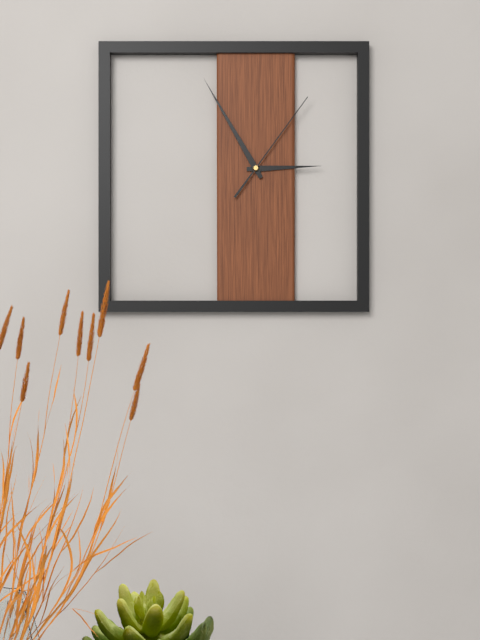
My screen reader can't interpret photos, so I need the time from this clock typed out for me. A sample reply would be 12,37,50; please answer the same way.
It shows 2,55,06
